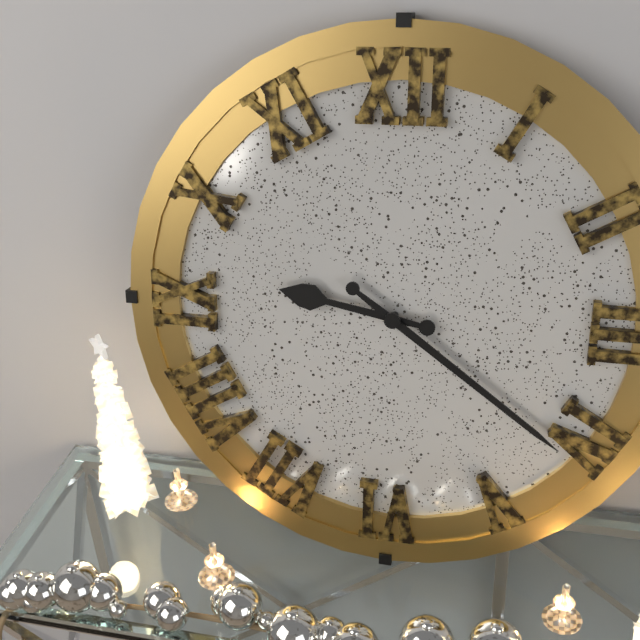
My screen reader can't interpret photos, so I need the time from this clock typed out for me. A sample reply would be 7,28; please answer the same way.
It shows 9,21
